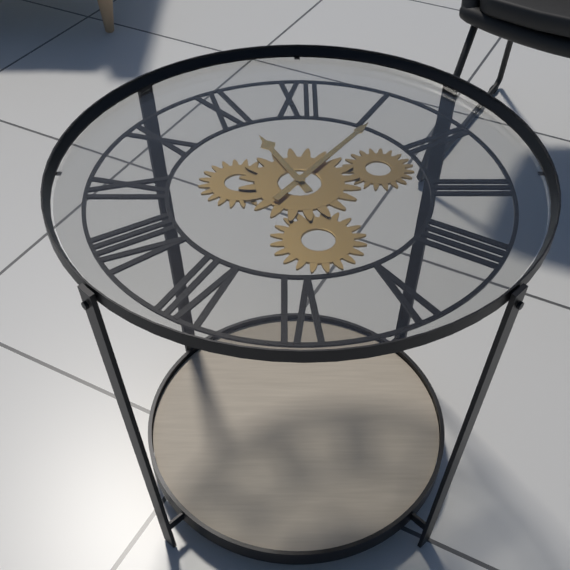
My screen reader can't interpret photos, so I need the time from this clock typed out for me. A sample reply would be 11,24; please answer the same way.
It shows 11,06
